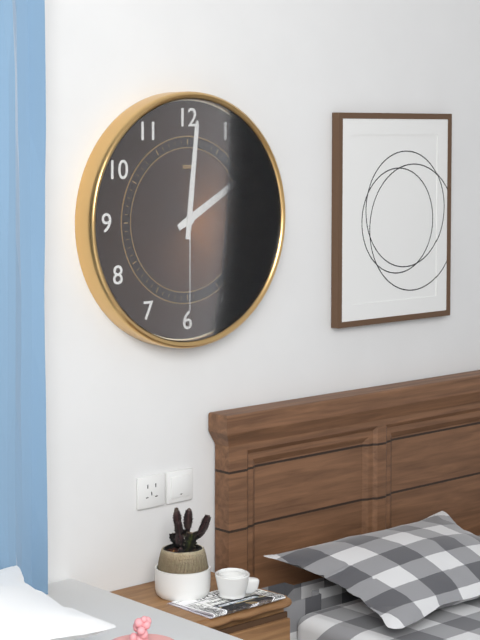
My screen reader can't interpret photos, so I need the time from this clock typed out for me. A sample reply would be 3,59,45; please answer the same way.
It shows 2,01,30
